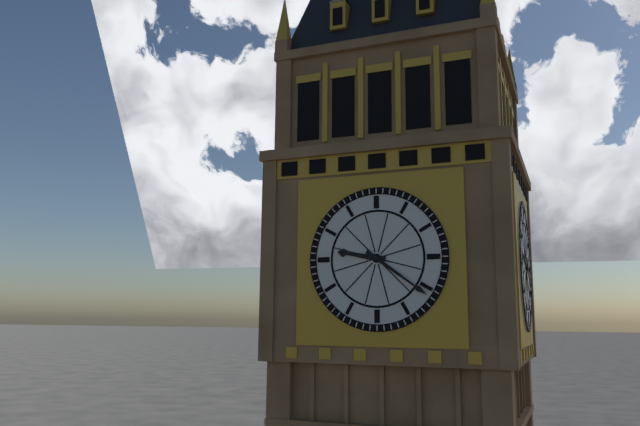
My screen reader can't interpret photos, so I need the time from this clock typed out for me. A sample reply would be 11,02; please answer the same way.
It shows 9,21
